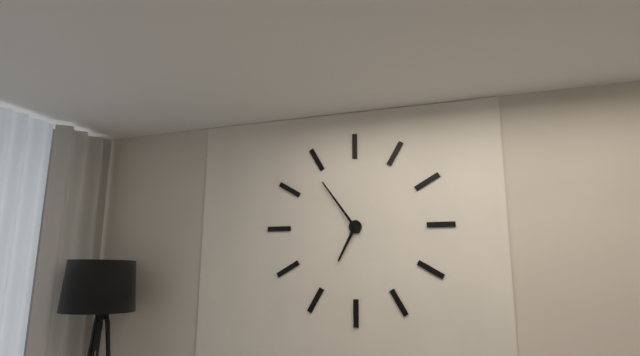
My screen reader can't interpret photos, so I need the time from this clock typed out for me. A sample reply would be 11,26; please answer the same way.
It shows 6,54
